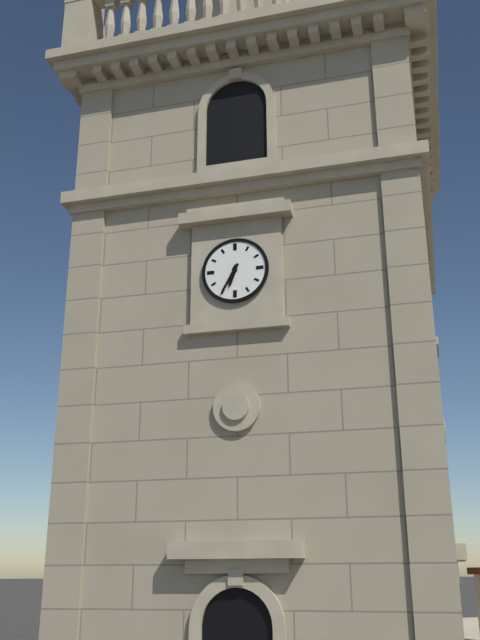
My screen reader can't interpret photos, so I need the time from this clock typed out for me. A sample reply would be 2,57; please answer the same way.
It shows 6,35
